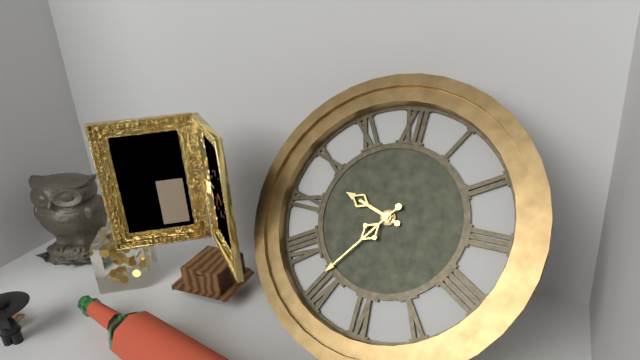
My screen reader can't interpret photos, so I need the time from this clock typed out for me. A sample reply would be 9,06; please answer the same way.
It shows 9,36
